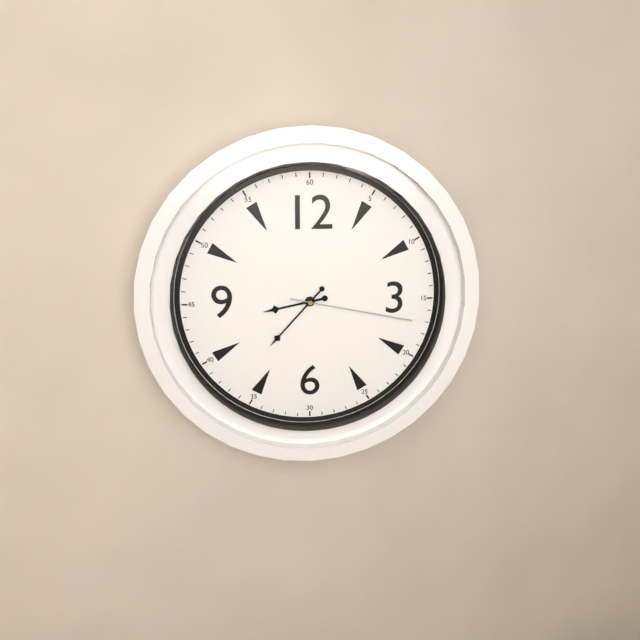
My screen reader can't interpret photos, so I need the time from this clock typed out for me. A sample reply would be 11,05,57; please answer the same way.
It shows 8,37,17
